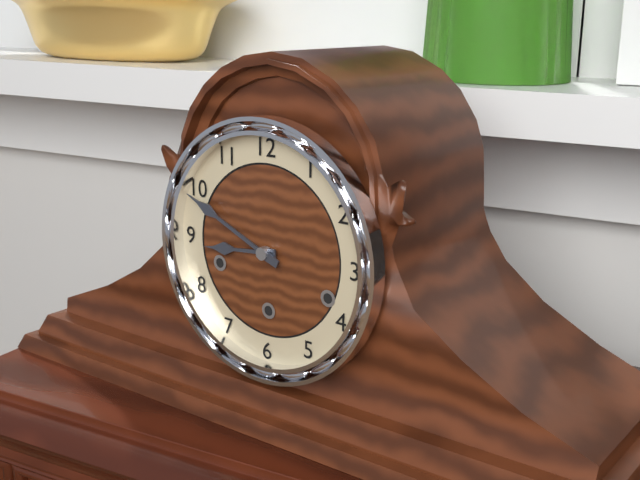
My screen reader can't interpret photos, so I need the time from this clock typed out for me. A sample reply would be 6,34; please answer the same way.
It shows 8,49
